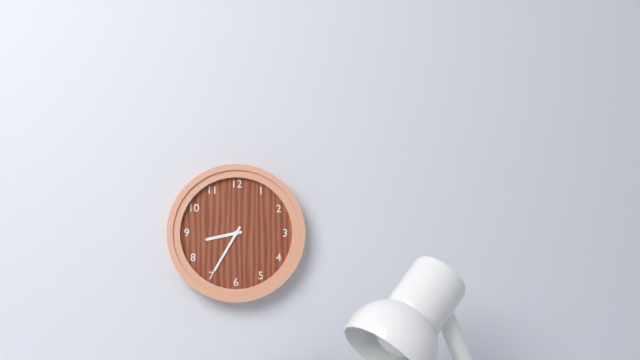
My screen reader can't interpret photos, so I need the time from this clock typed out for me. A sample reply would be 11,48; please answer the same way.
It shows 8,35
